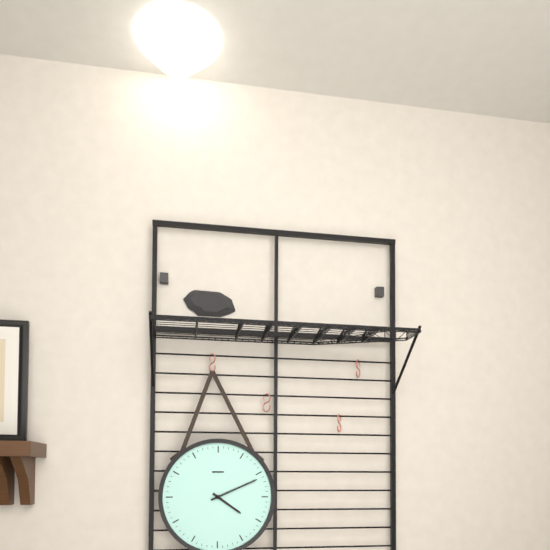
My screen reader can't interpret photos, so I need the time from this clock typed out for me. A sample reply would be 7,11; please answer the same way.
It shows 4,11
